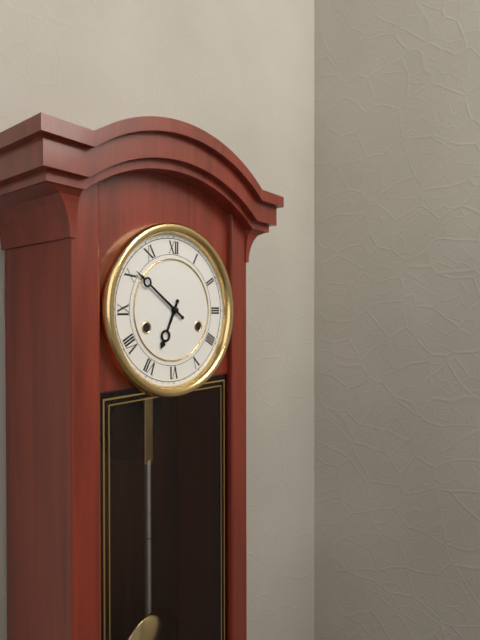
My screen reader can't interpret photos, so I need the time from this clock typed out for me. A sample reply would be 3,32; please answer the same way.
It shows 6,51
